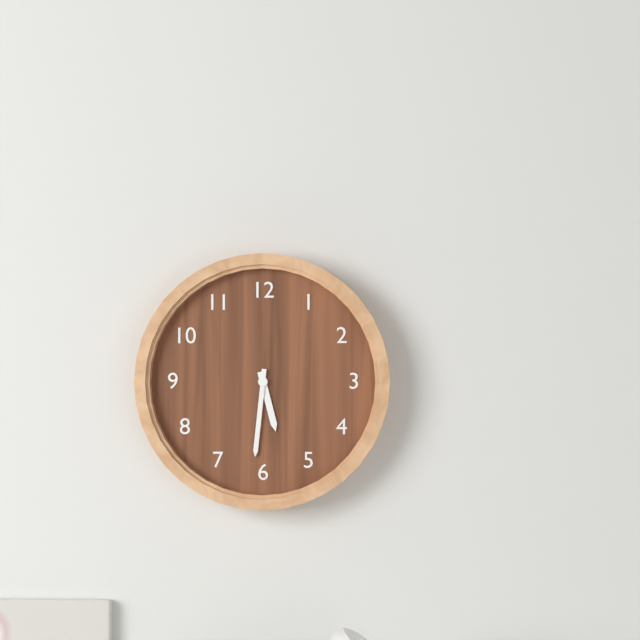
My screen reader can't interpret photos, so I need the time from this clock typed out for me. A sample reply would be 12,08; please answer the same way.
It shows 5,31
